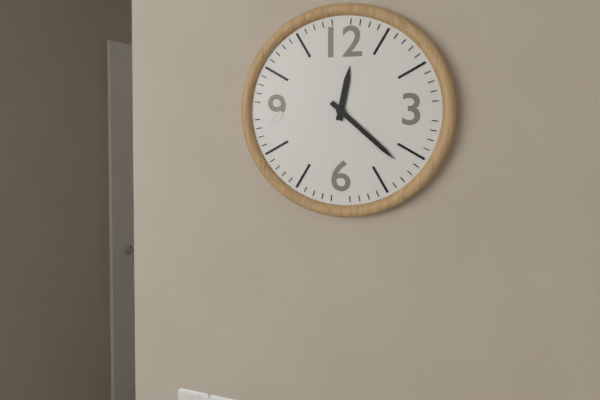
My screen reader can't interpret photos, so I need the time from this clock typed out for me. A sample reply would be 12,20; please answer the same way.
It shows 12,22
